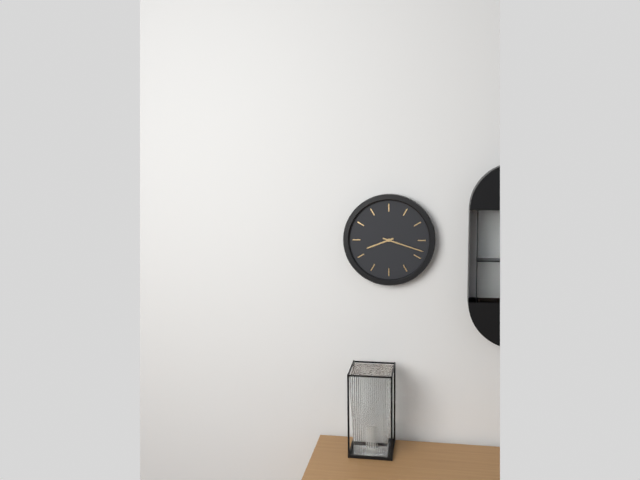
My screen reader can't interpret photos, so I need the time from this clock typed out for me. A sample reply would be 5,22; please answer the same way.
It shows 8,18
